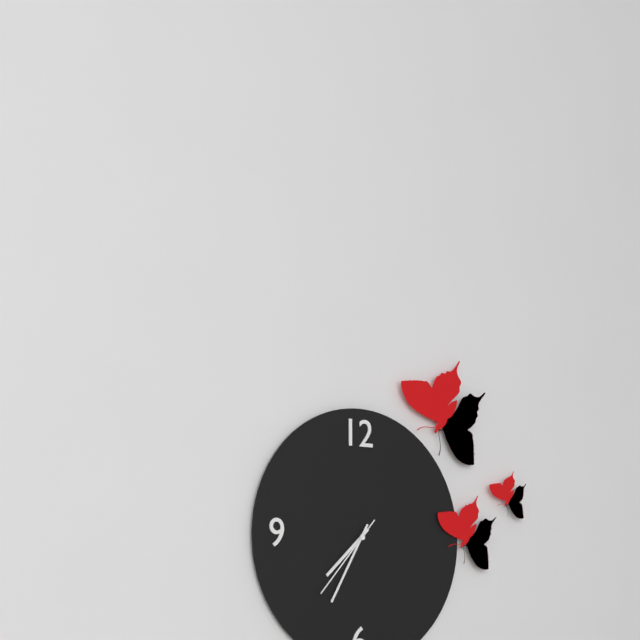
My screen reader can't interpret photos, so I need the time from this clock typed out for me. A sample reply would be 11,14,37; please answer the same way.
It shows 7,35,37
